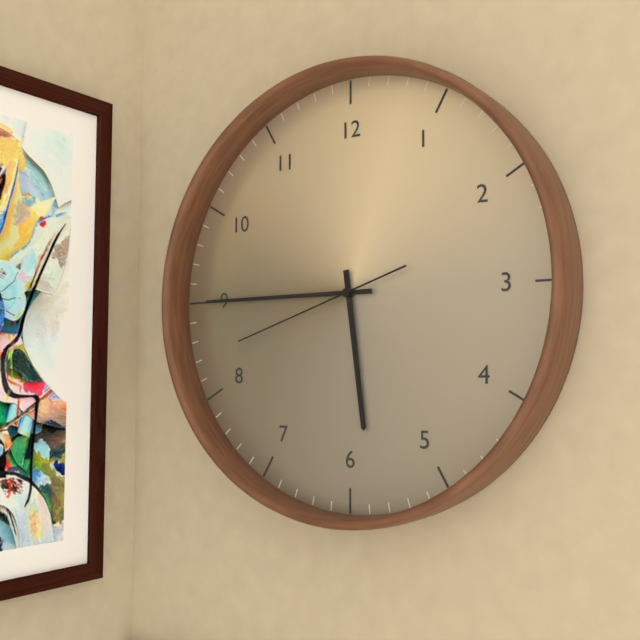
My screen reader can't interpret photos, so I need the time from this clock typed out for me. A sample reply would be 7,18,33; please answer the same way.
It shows 5,45,42
